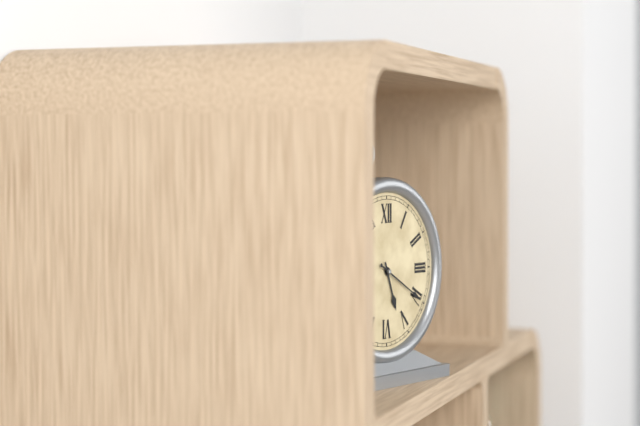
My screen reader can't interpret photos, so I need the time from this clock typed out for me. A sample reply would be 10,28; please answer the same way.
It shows 5,20
